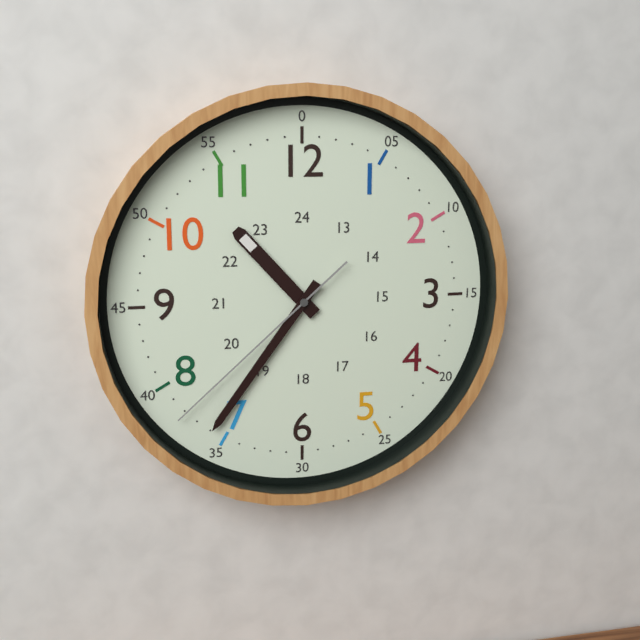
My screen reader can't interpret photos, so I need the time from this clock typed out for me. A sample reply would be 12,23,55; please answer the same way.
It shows 10,36,38
